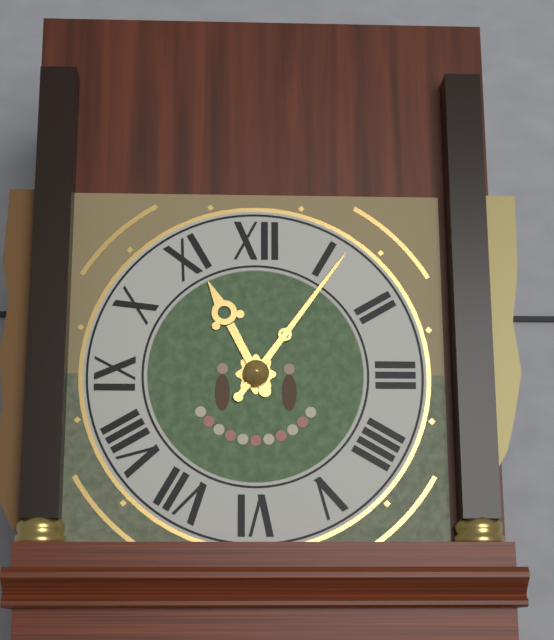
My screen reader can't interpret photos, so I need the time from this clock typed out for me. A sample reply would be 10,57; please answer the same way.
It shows 11,06
